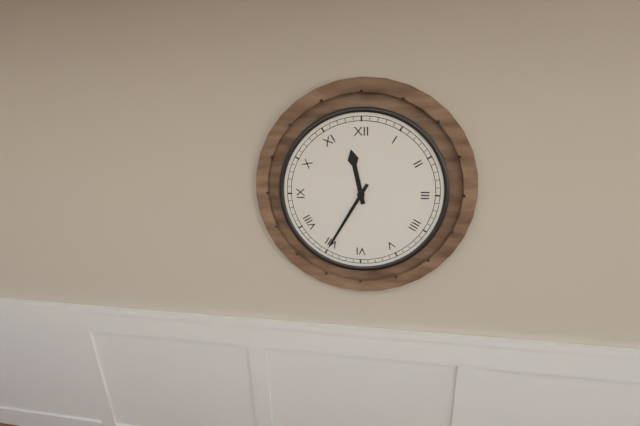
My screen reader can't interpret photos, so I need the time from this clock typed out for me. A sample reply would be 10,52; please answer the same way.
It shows 11,35
